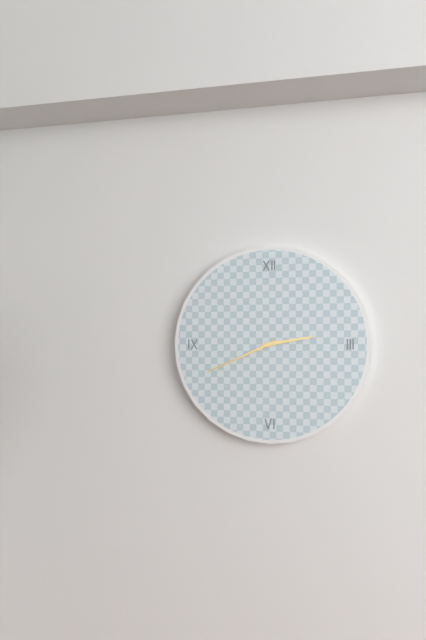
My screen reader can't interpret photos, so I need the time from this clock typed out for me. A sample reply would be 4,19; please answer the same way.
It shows 2,41
